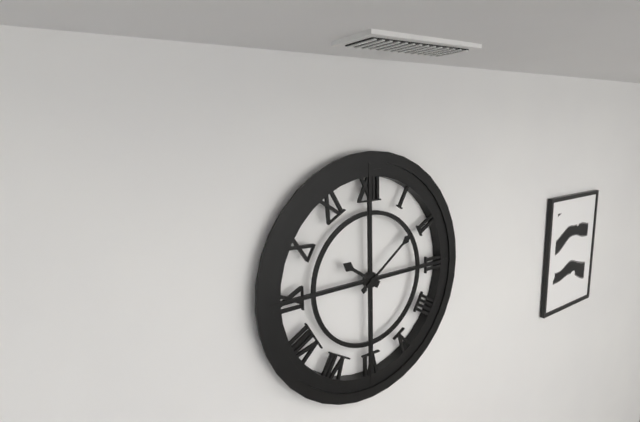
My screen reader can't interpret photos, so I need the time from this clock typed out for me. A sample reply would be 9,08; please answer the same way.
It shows 10,09
